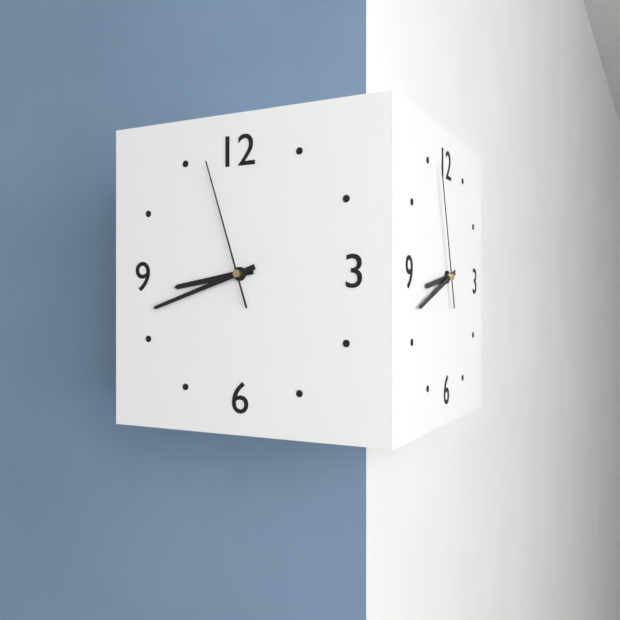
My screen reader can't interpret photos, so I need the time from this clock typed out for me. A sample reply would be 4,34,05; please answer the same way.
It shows 8,42,57
